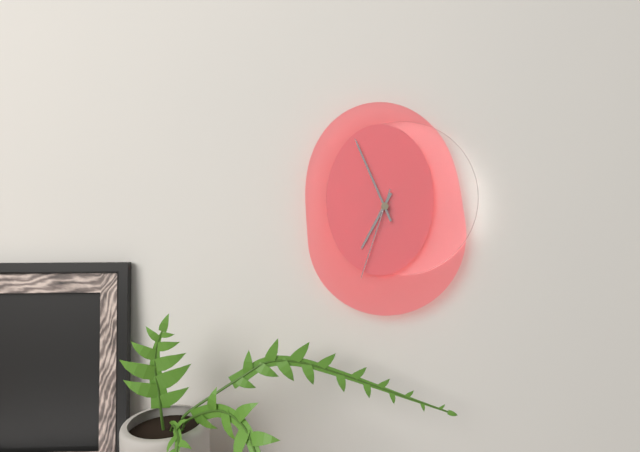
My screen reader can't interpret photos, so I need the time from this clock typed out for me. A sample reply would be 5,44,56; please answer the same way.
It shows 6,56,33
